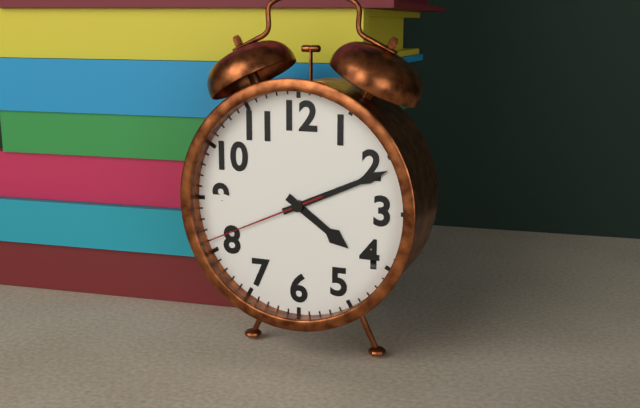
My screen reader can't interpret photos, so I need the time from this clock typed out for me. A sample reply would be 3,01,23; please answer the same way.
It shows 4,11,41
